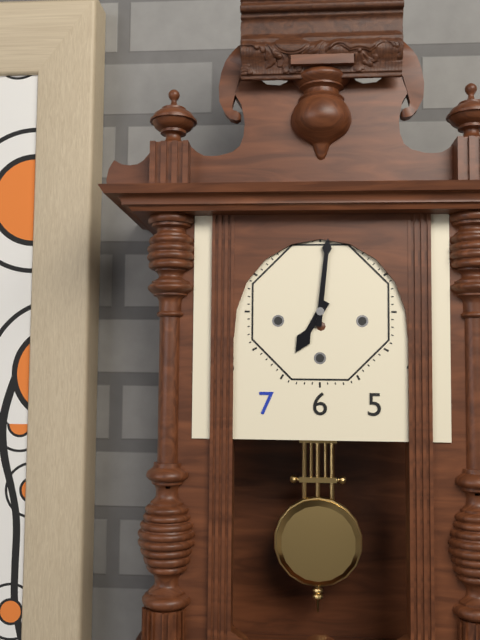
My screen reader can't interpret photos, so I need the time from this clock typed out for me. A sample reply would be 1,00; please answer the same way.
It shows 7,01
